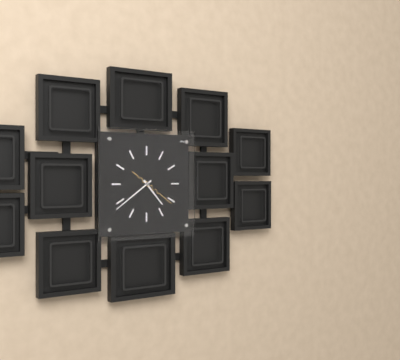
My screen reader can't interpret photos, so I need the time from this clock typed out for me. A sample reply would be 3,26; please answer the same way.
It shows 4,39
